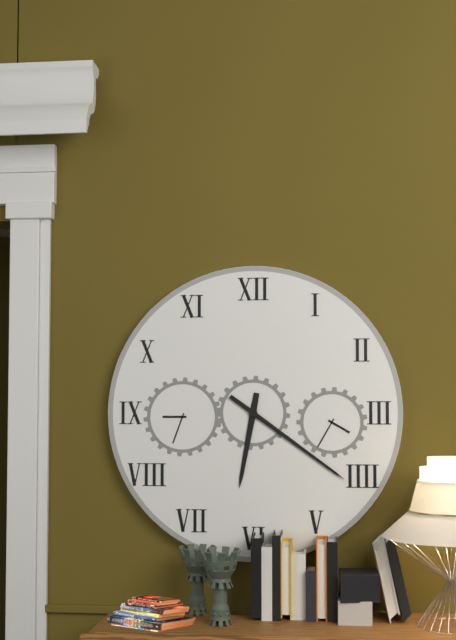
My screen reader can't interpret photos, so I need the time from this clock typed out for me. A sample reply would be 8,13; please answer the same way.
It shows 6,21
